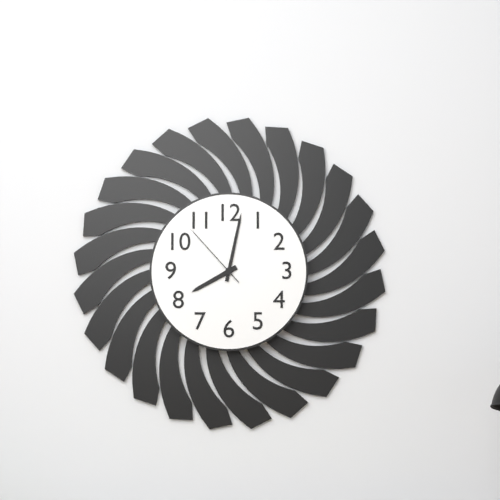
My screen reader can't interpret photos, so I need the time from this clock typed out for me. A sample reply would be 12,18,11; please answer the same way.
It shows 8,02,53
